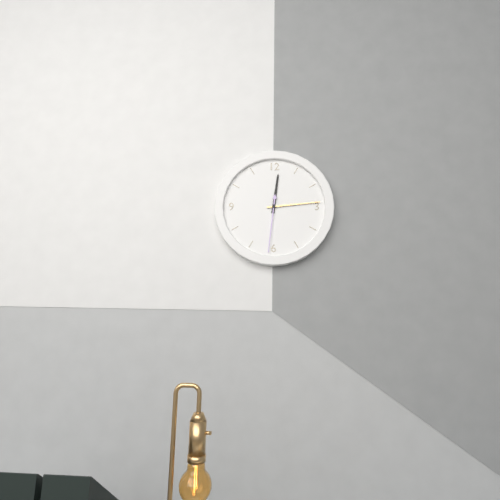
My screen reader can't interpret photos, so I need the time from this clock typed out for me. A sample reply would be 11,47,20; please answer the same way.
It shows 12,14,31
